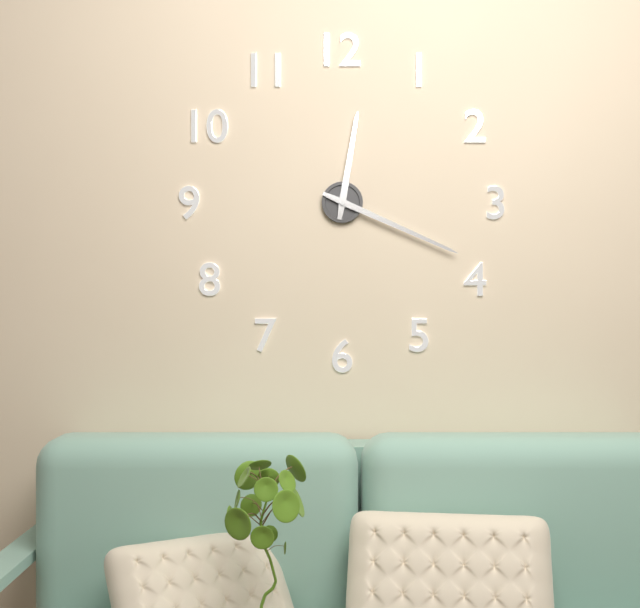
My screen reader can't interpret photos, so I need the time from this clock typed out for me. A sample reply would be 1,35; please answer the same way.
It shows 12,19
